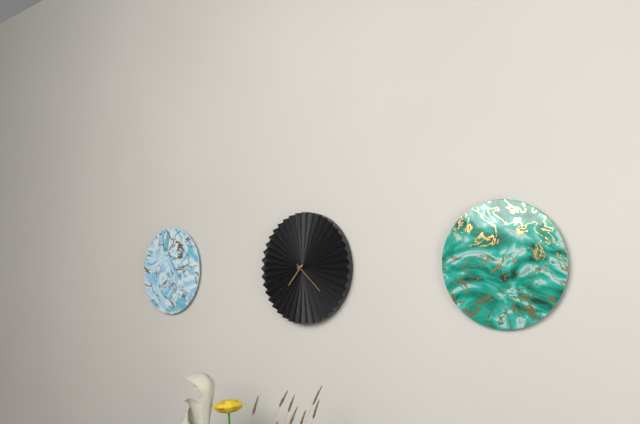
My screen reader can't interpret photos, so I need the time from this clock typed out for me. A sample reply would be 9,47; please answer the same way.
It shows 7,22
